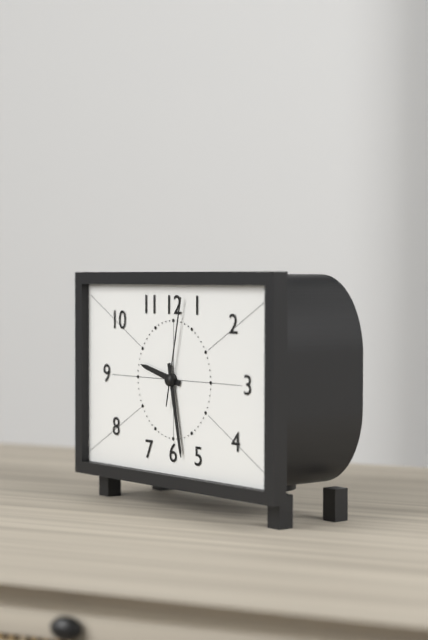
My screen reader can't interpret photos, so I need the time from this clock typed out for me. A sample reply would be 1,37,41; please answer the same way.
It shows 9,28,02
